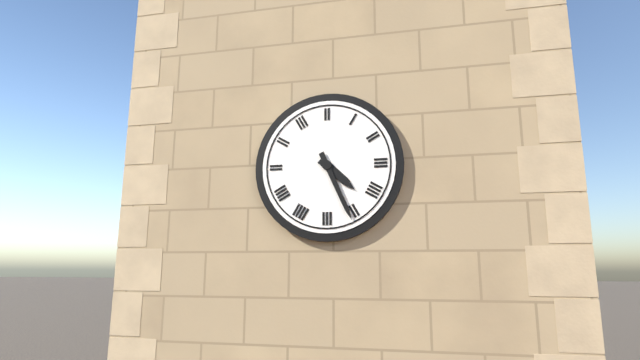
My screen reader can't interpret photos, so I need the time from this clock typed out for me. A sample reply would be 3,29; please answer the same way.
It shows 4,26
